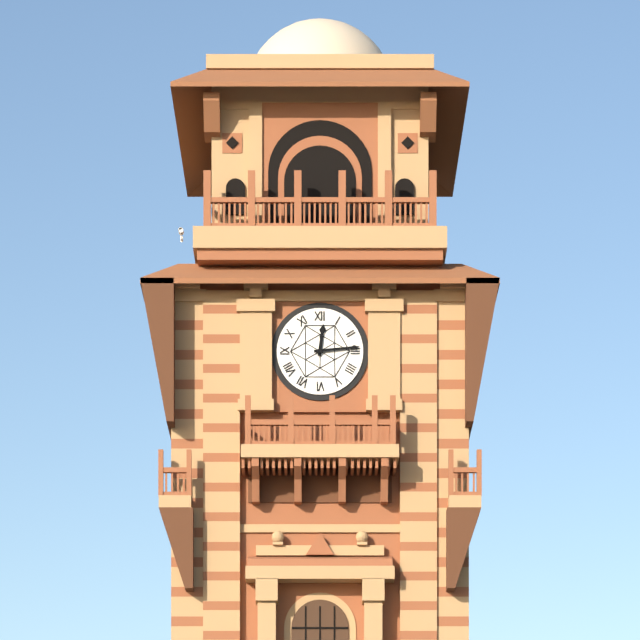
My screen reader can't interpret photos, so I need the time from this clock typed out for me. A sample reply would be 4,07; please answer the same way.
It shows 12,14
